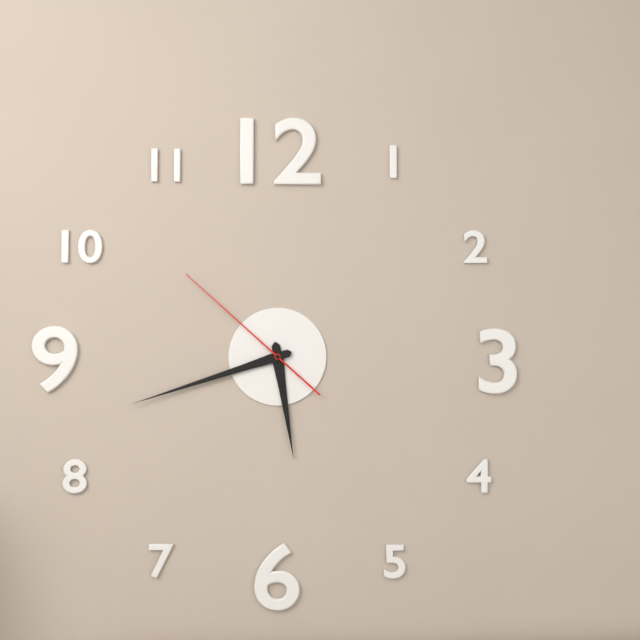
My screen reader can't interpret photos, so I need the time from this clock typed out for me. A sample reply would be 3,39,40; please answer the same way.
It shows 5,42,52
